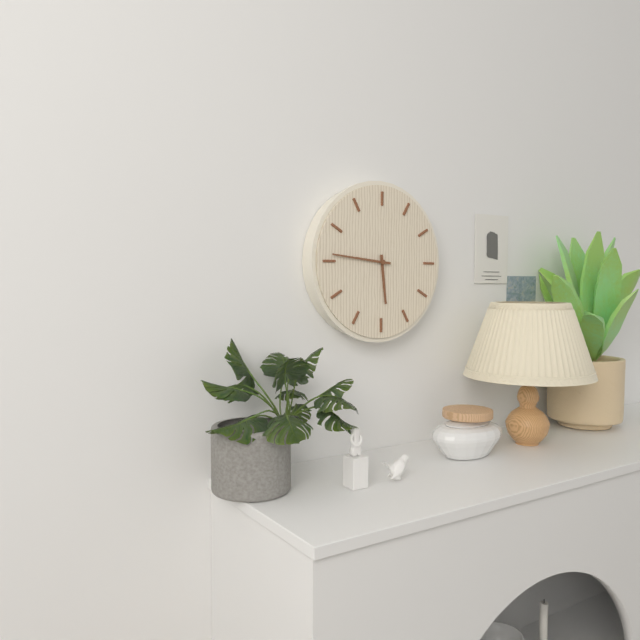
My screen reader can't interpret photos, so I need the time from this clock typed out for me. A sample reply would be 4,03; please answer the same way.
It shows 5,46
